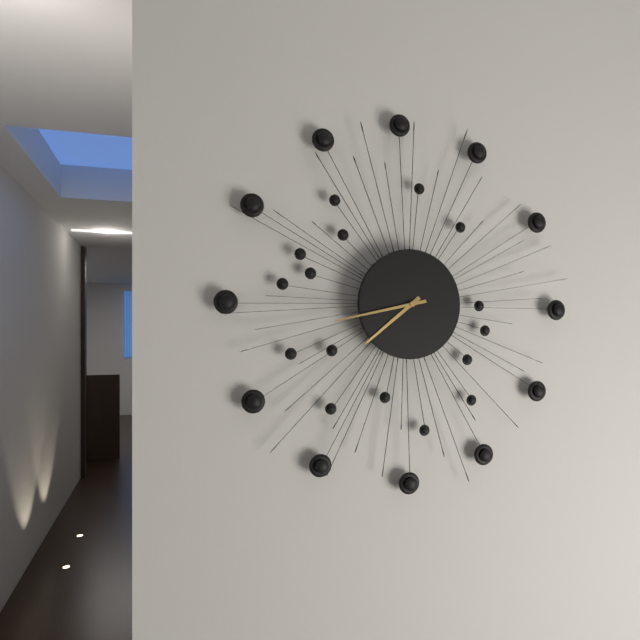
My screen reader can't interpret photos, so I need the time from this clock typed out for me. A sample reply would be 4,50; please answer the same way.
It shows 7,43
